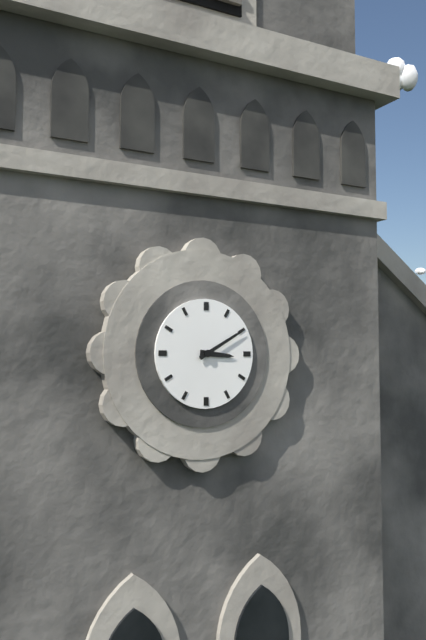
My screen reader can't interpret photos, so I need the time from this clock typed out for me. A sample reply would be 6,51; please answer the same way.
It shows 3,10
